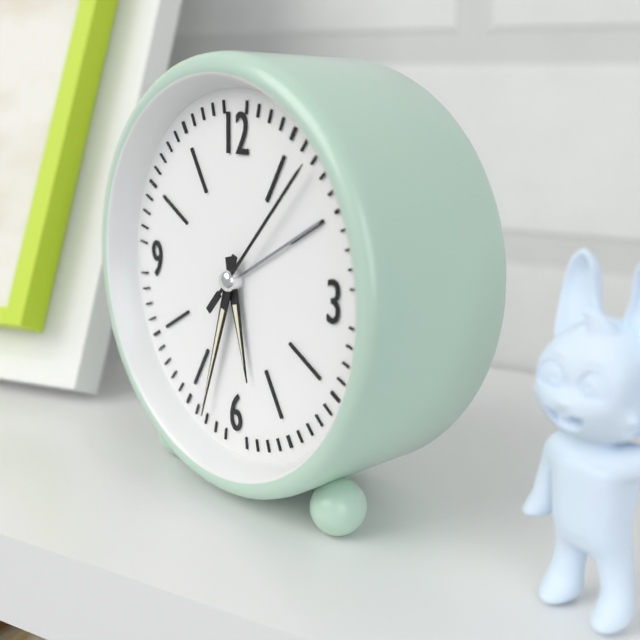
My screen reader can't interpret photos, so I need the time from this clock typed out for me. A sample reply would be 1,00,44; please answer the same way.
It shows 5,33,07
